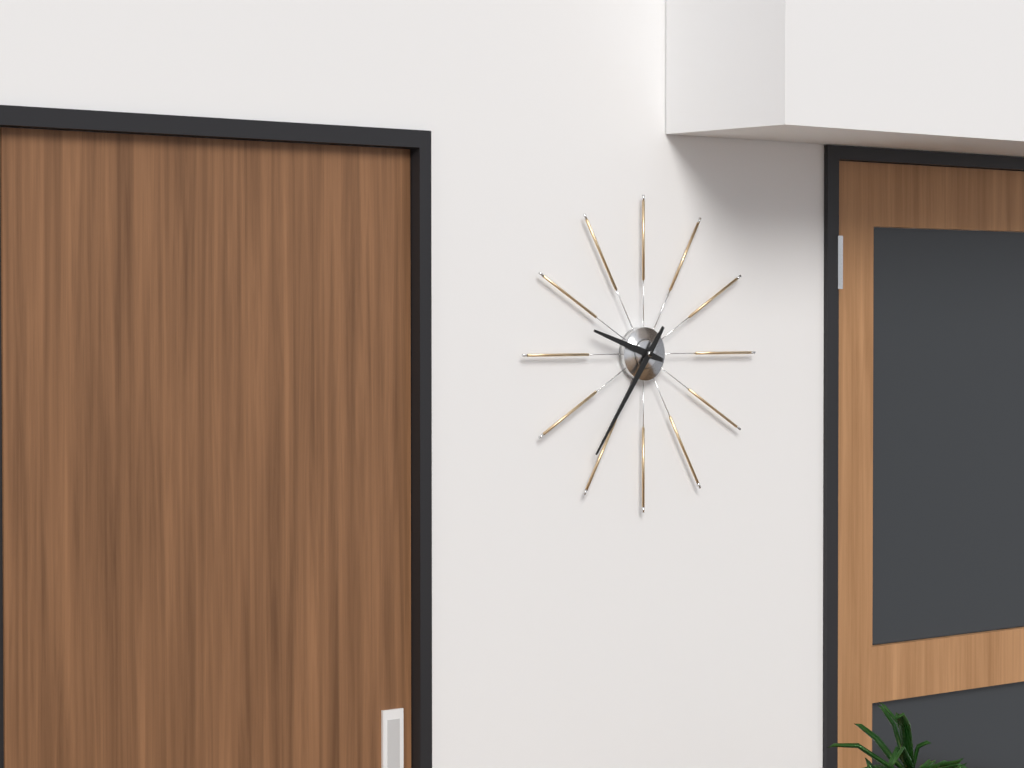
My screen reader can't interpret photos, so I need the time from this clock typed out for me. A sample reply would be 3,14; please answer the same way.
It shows 9,36
